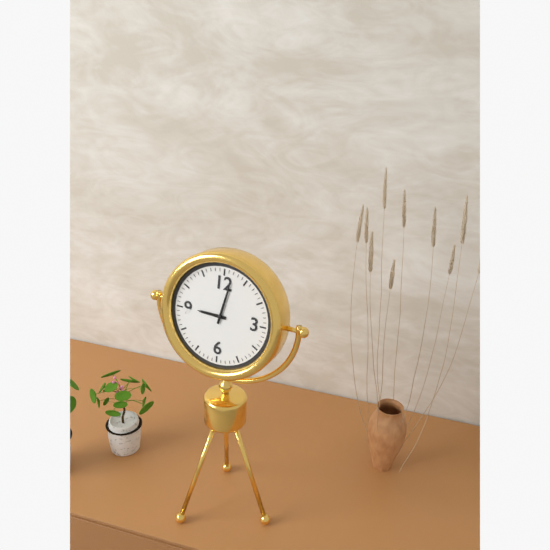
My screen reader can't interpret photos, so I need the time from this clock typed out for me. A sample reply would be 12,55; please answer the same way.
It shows 9,02
